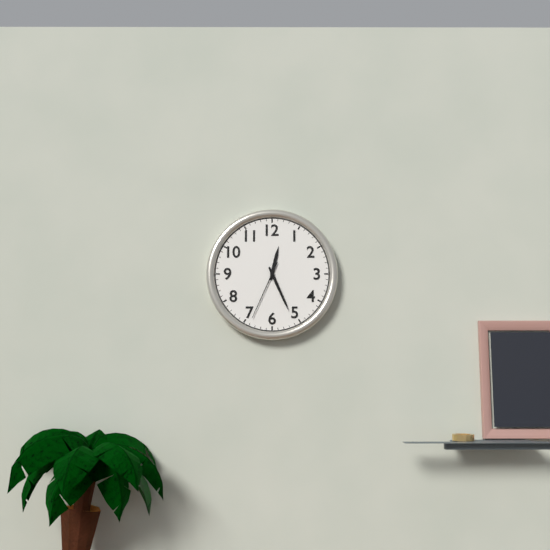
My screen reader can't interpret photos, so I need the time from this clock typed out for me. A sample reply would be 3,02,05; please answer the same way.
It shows 12,26,34
